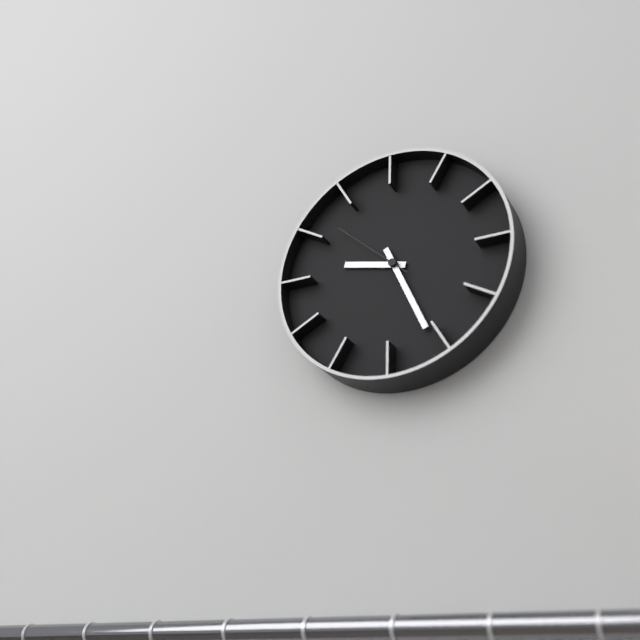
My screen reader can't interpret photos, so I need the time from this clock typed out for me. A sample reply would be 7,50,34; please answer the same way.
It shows 9,26,52
